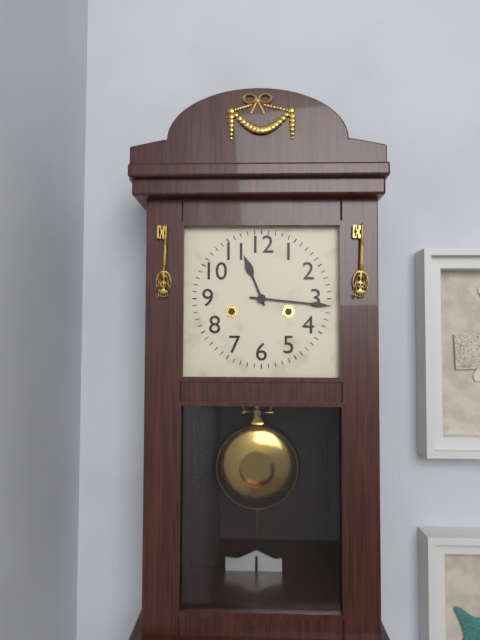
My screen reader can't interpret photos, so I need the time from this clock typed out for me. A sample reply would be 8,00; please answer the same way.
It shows 11,16
